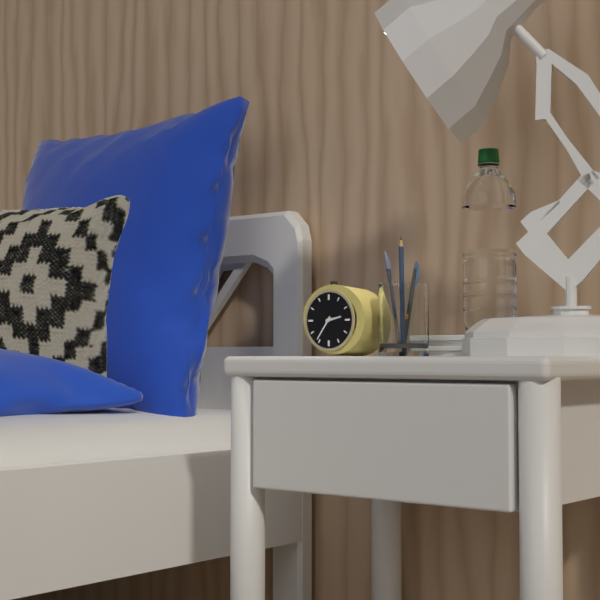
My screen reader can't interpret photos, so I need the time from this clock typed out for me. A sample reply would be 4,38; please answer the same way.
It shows 2,36
